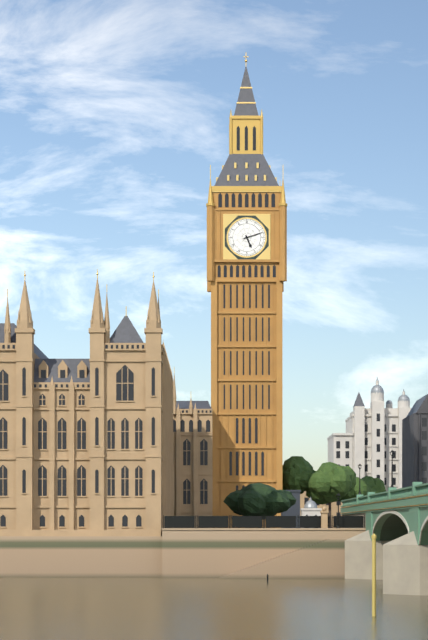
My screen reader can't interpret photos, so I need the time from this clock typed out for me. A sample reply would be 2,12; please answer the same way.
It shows 5,12
